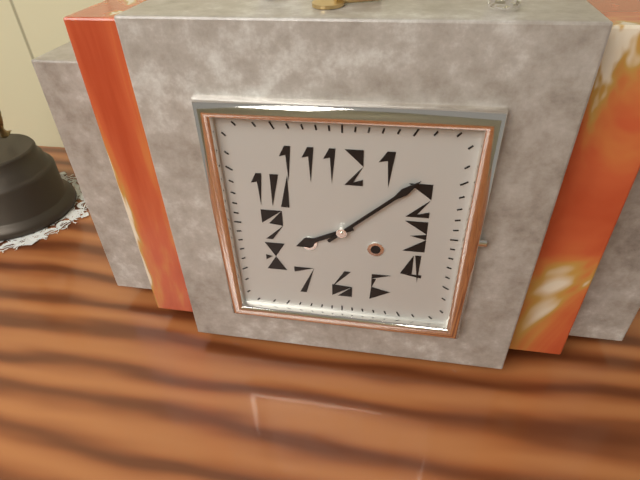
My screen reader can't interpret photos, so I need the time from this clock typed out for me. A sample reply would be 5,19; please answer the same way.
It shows 8,08
